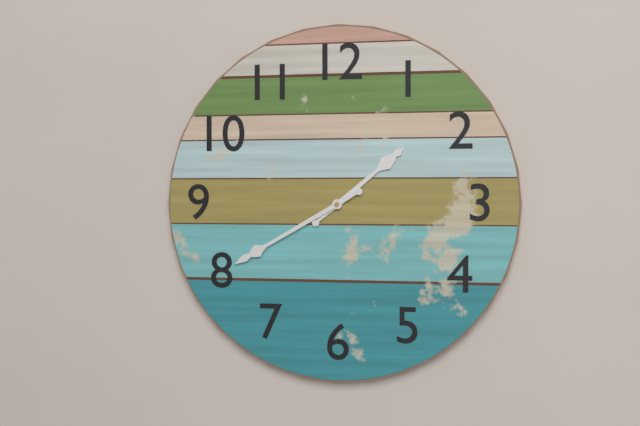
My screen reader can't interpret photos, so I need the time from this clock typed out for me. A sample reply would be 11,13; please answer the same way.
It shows 1,40
